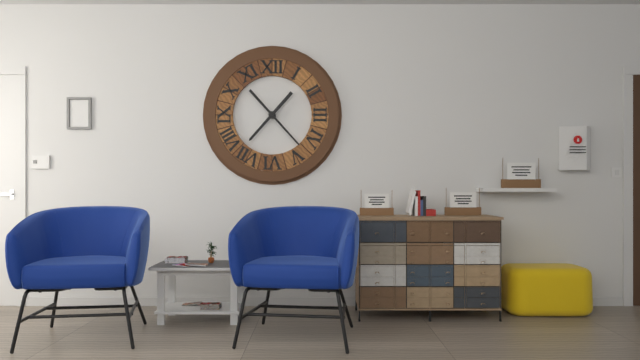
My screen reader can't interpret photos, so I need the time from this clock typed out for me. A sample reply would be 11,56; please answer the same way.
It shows 7,23
